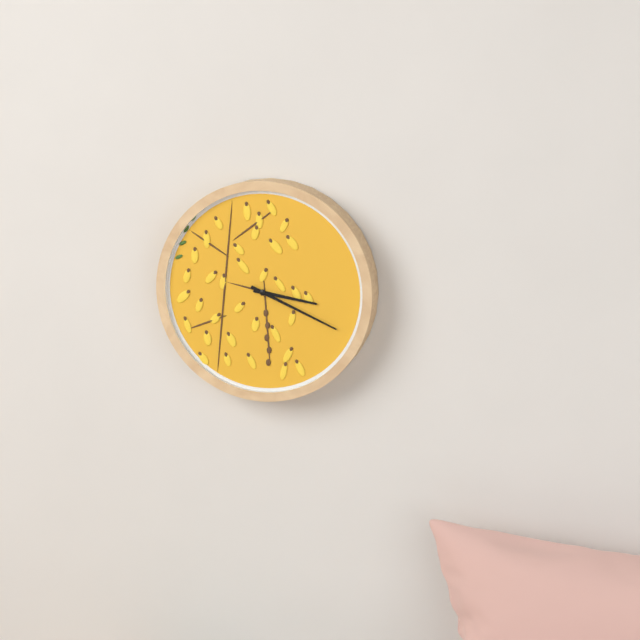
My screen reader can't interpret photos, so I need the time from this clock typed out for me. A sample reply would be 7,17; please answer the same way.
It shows 3,19
